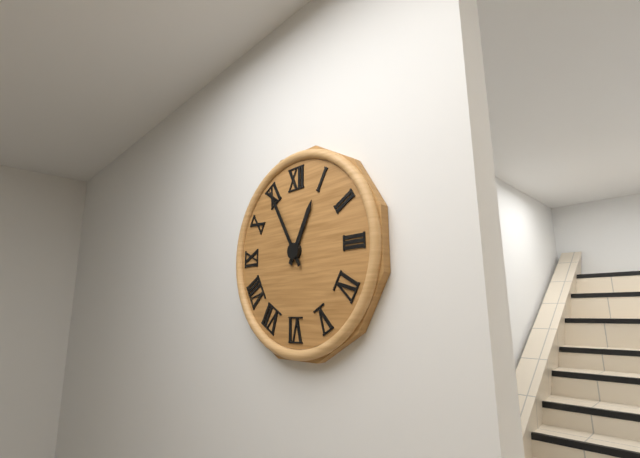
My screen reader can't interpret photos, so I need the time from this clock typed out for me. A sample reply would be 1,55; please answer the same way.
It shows 12,55
